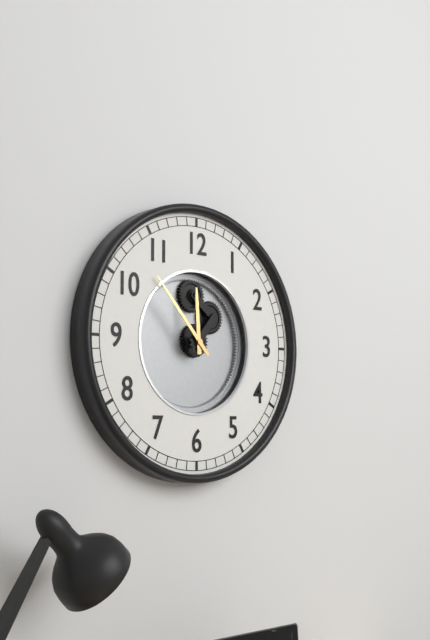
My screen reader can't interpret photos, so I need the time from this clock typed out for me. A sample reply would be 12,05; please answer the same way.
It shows 11,53
